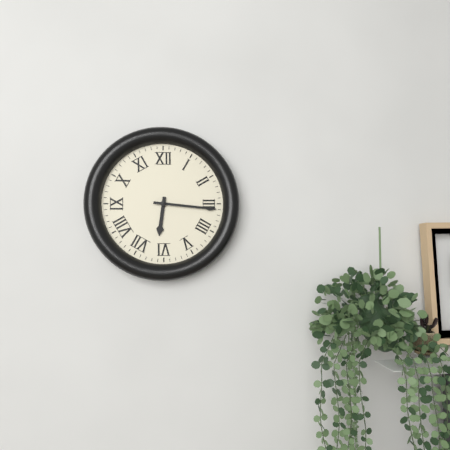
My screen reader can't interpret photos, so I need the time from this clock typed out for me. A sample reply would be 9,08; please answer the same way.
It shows 6,16
